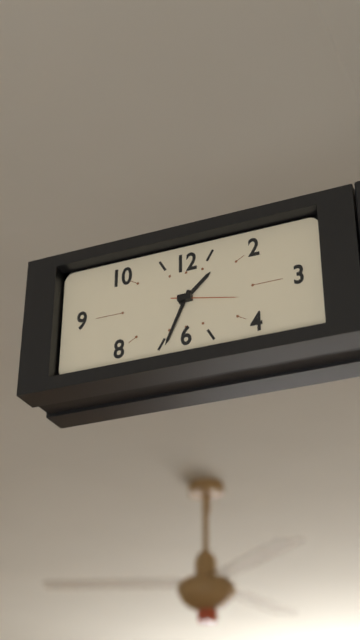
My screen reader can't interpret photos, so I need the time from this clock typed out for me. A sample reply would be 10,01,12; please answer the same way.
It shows 1,34,17
